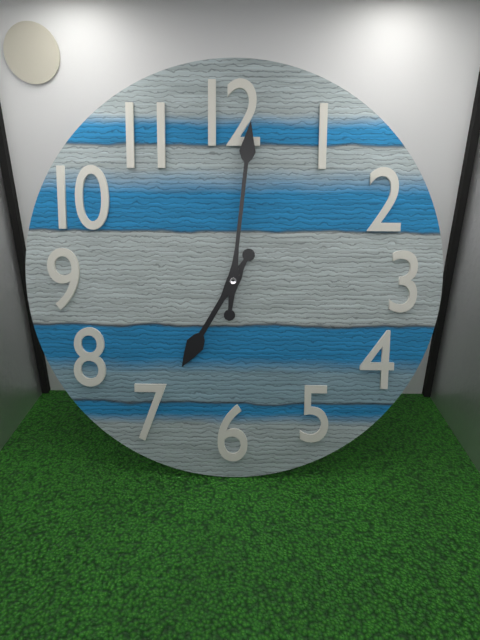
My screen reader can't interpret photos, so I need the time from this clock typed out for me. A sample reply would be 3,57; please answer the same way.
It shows 7,01
